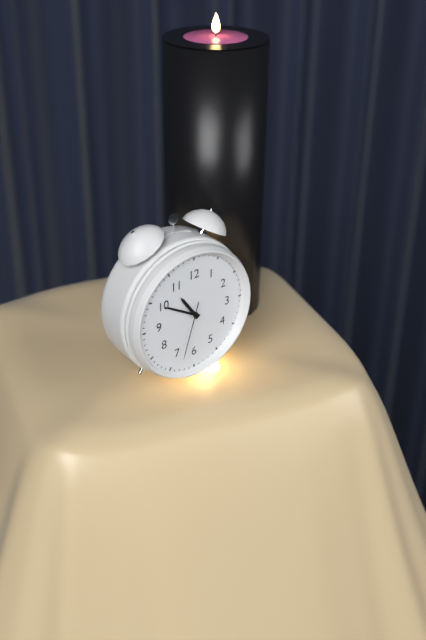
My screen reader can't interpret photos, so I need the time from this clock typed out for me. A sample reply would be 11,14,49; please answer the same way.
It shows 10,50,33
